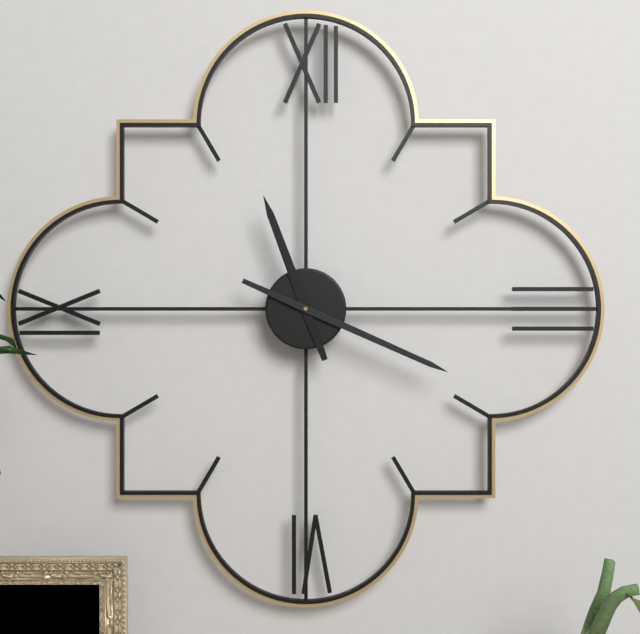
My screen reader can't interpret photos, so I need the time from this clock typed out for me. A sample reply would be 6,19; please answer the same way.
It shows 11,19
